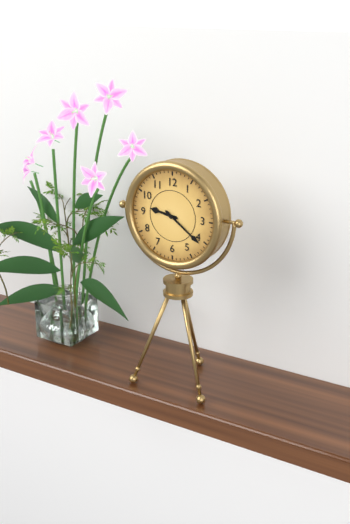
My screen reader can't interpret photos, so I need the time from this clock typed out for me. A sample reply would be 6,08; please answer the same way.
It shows 9,21
